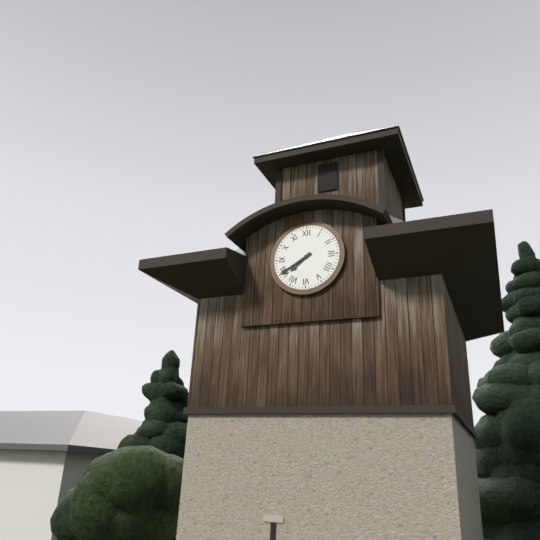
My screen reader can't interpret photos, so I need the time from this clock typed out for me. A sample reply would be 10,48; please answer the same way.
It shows 7,40
